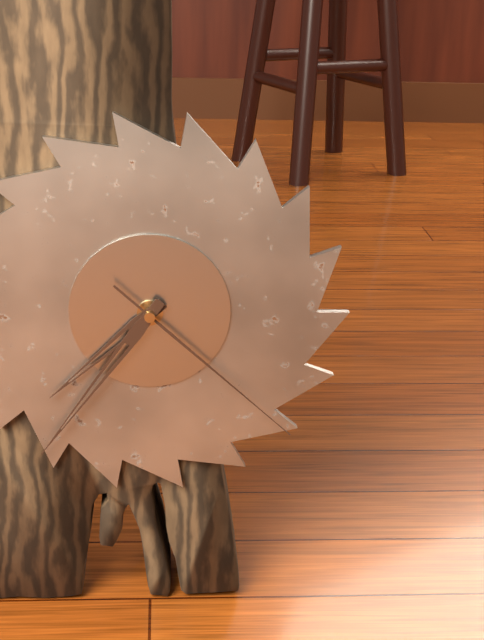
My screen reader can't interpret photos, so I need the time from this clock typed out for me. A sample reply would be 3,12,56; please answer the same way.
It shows 7,36,22
